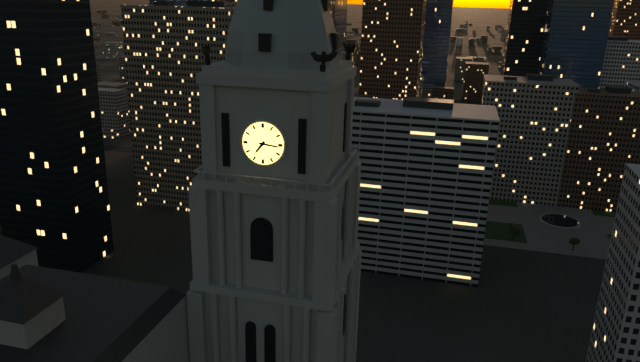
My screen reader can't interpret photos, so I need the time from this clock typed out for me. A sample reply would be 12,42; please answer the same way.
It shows 7,16
